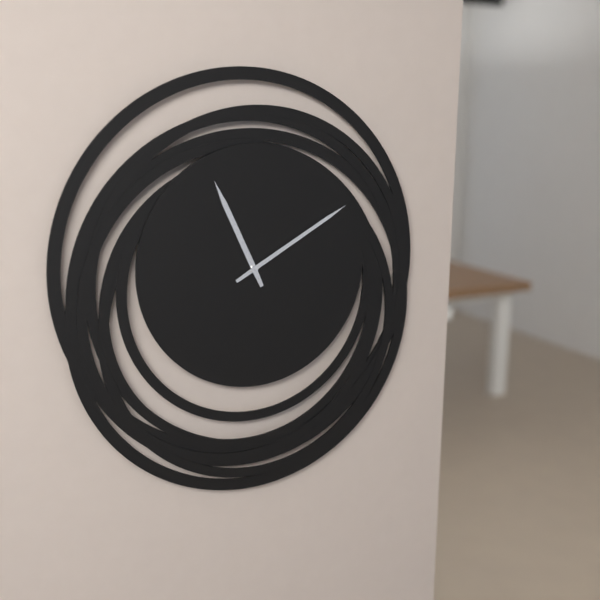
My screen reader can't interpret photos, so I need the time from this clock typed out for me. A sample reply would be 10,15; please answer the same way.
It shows 11,10
